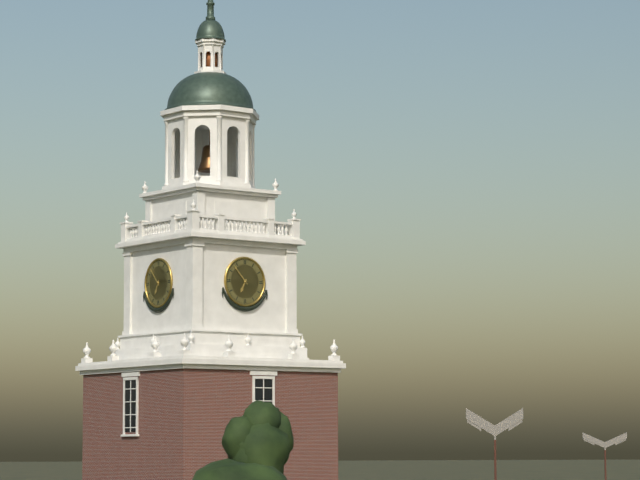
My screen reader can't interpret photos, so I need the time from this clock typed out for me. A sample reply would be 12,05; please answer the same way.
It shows 6,53
